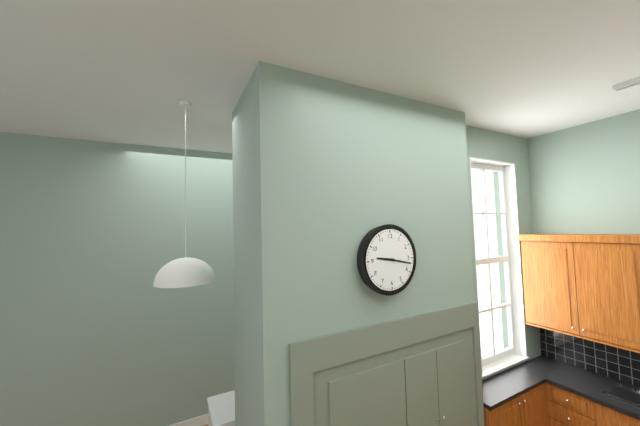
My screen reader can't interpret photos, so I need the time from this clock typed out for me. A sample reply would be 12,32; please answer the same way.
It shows 9,17
